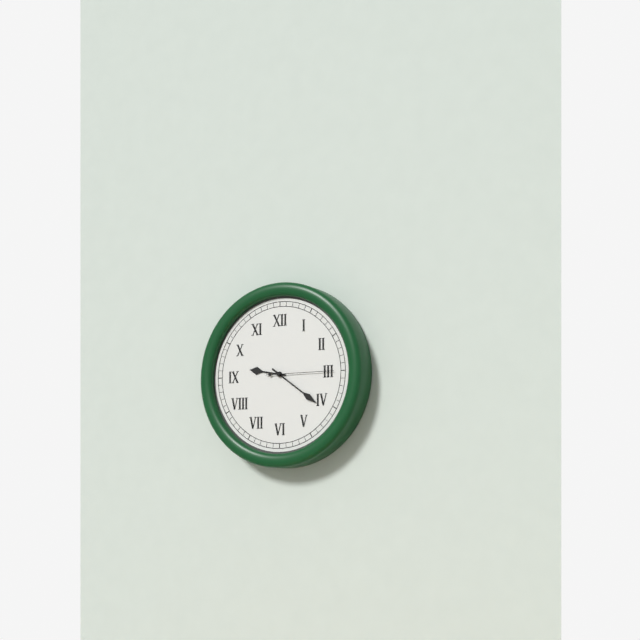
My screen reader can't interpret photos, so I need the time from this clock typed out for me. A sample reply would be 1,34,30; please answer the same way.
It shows 9,21,15
